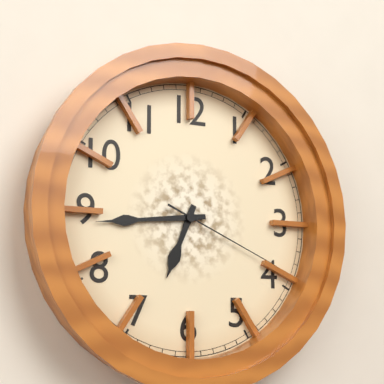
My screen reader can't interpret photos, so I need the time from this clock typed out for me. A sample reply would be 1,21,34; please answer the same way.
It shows 6,44,19
